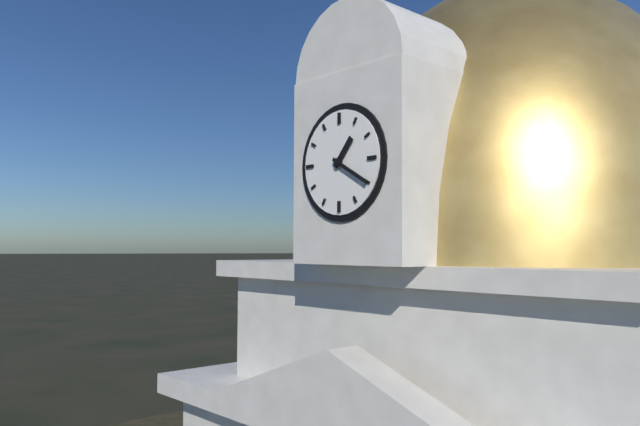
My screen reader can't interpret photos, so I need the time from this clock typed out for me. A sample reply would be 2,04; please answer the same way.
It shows 1,20
